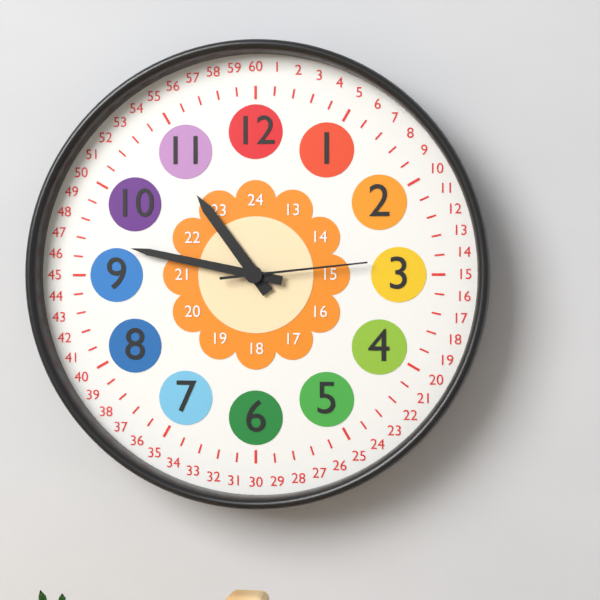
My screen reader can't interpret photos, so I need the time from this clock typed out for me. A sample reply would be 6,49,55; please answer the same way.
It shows 10,47,14
